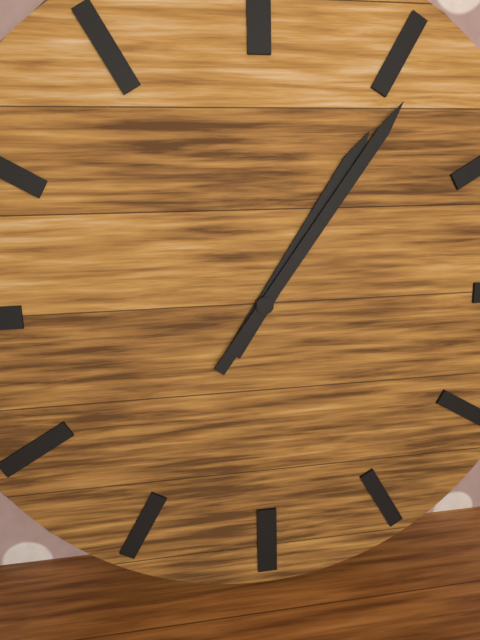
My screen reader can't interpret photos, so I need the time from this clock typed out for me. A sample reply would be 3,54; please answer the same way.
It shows 1,06
